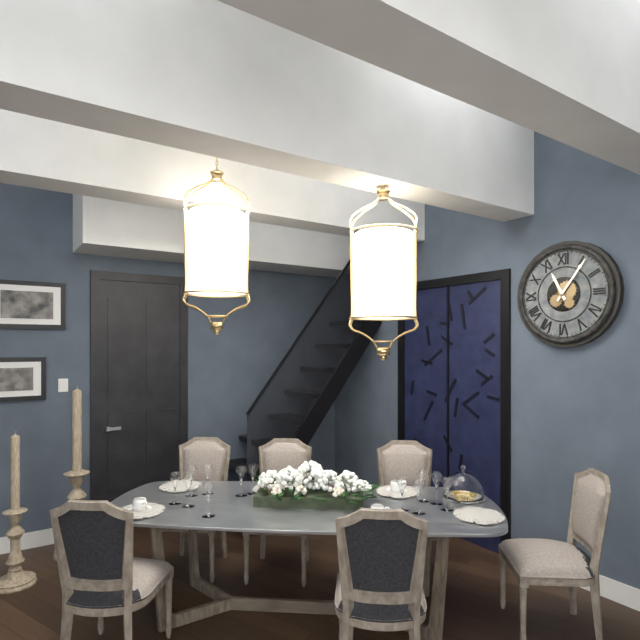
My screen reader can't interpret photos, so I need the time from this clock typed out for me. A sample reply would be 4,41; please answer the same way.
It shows 11,06
